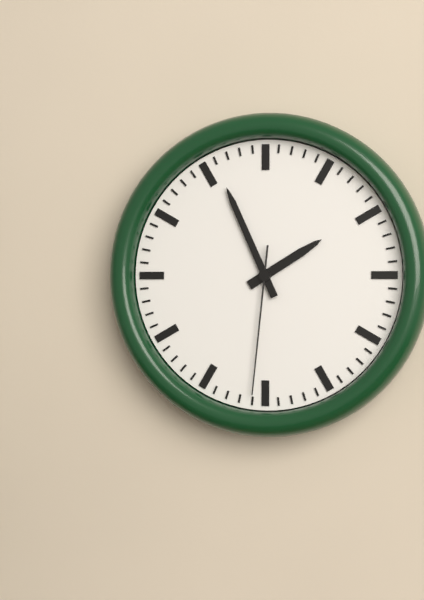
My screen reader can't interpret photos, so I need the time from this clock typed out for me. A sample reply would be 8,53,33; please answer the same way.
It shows 1,56,31
